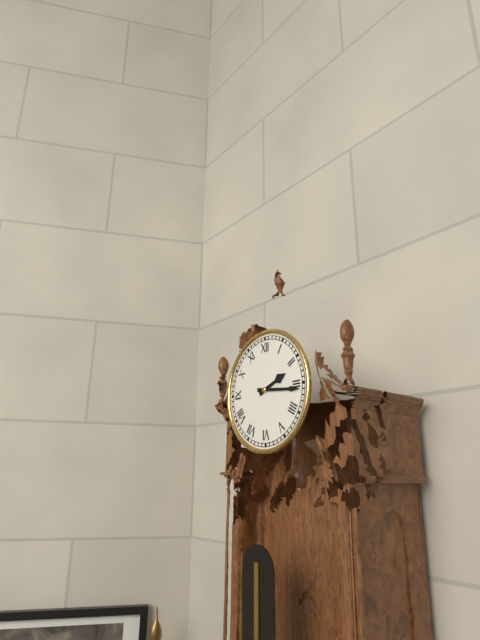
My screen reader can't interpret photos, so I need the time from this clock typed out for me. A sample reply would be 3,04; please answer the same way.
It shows 2,16
